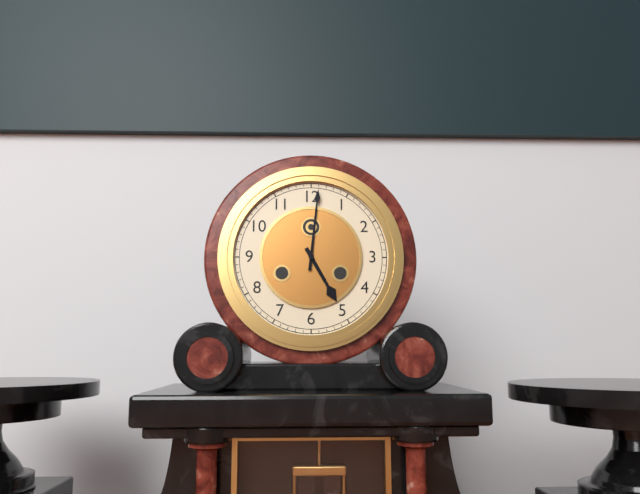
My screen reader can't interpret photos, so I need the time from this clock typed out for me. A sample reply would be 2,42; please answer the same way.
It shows 5,01
